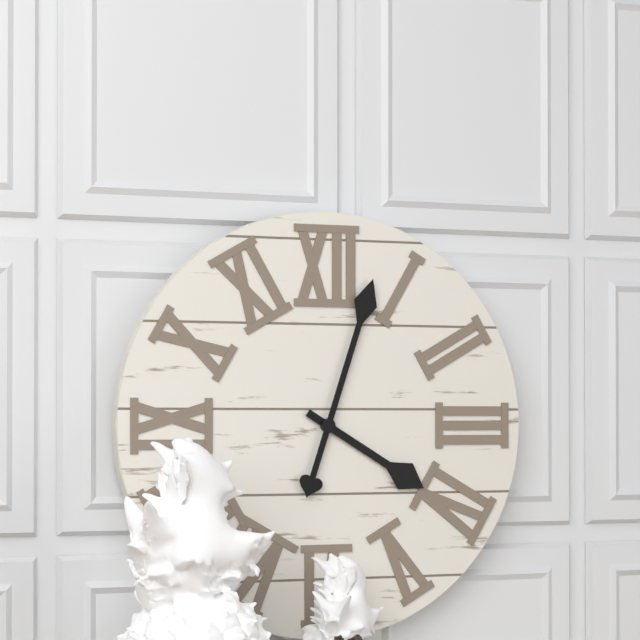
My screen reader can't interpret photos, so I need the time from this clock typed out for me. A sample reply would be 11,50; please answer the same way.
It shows 4,03
